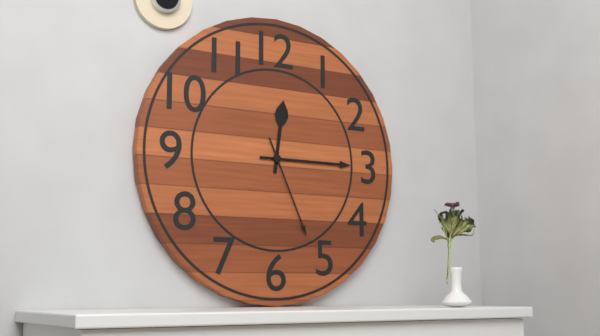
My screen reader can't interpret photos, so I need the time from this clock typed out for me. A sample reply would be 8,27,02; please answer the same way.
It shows 12,15,26
